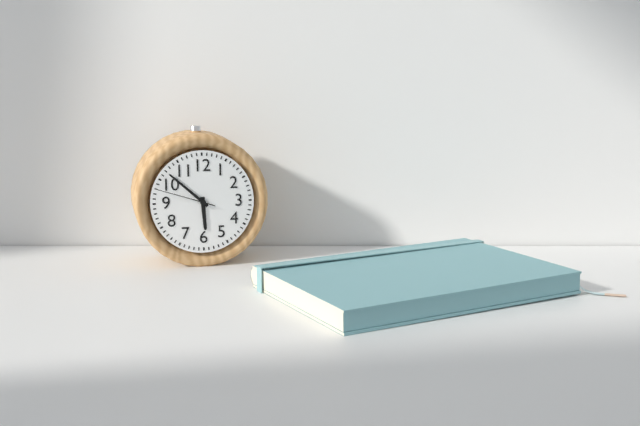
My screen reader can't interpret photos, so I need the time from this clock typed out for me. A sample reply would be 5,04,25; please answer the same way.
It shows 5,52,48
